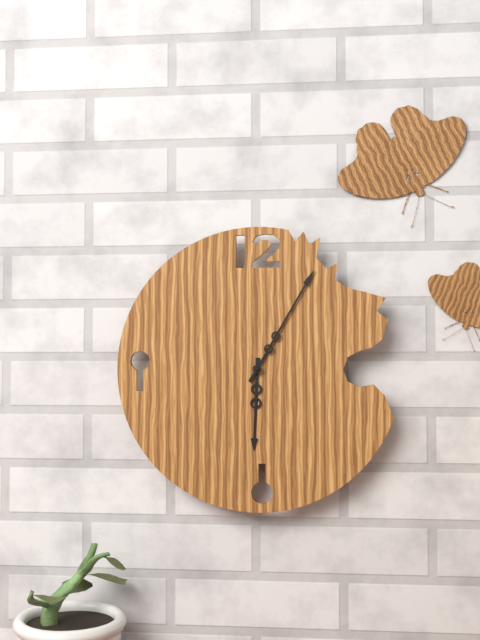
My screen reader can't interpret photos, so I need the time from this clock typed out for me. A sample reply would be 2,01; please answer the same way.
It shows 6,05
